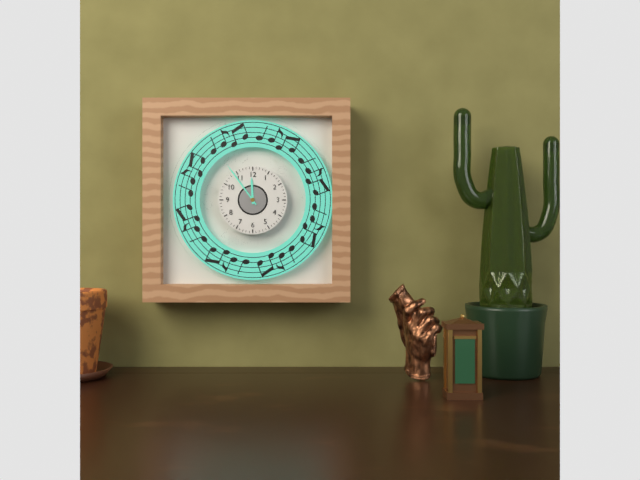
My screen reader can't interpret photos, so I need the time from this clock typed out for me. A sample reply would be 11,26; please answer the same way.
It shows 11,54
